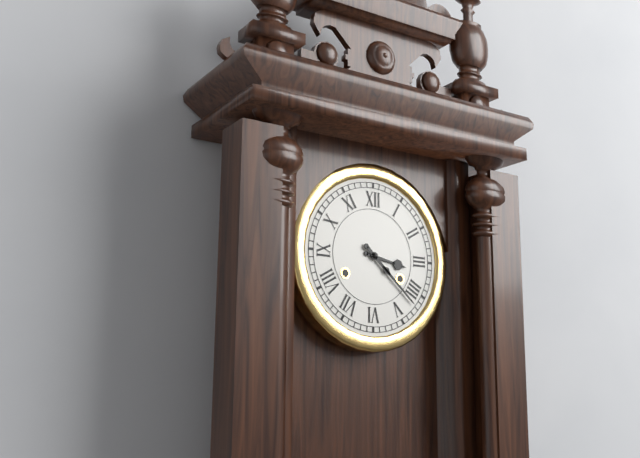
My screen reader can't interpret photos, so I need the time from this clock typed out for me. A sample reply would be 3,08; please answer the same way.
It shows 3,22
